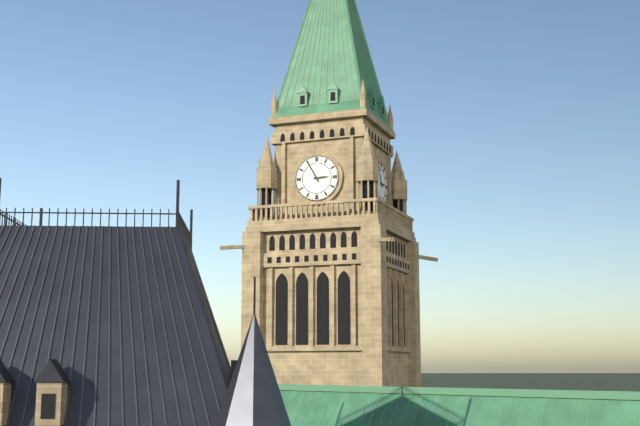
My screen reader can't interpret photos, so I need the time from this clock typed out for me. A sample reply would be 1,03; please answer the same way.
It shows 2,55
